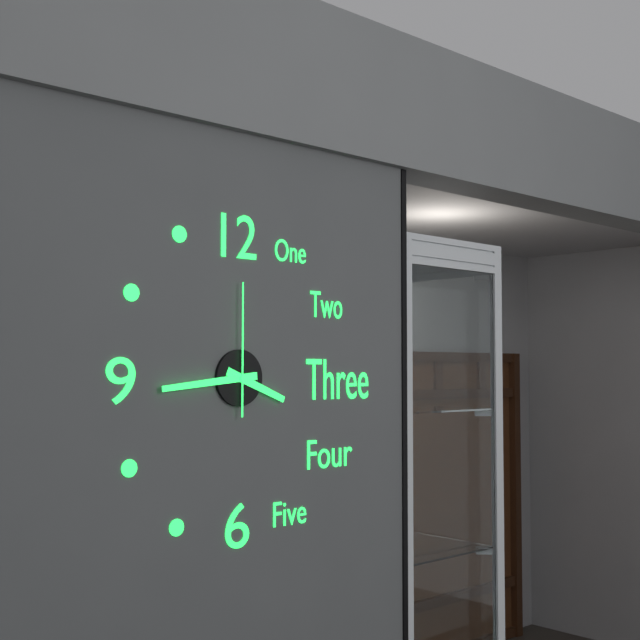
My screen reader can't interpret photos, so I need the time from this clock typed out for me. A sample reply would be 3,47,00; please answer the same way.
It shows 3,44,00
